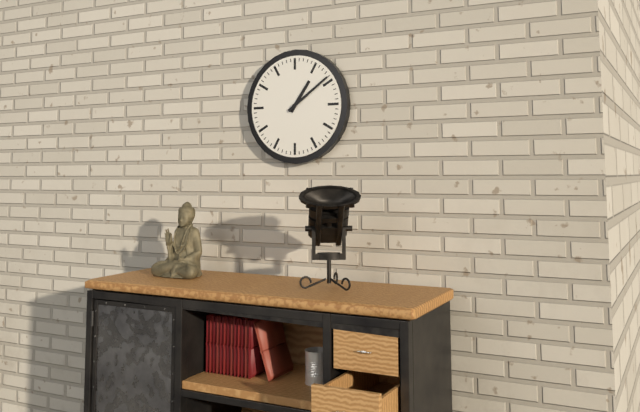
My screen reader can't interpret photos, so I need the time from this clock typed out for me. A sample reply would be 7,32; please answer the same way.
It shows 1,09
